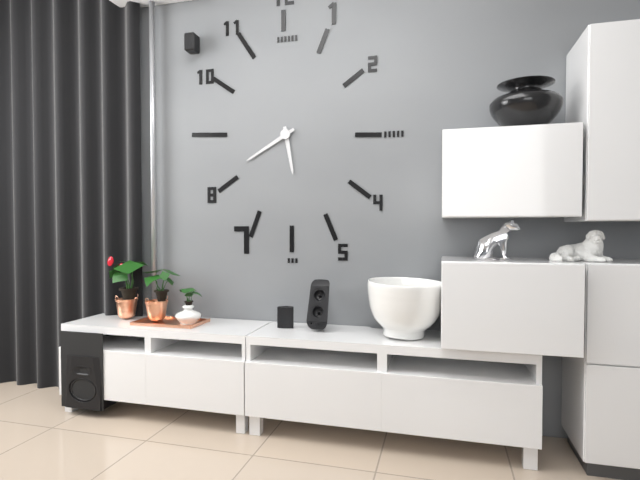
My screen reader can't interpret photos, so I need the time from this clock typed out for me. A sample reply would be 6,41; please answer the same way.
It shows 5,40
